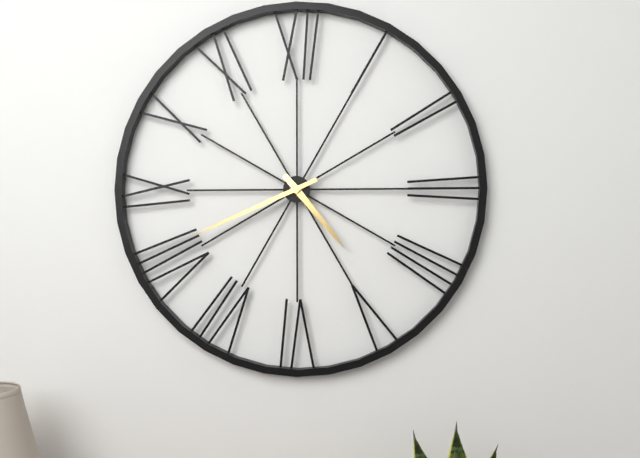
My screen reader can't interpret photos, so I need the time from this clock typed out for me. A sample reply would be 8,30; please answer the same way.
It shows 4,41
